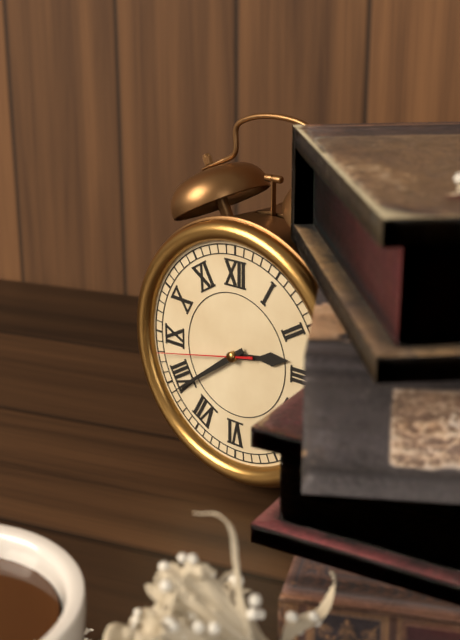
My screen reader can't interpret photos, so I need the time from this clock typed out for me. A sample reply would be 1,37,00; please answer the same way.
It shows 2,39,43
